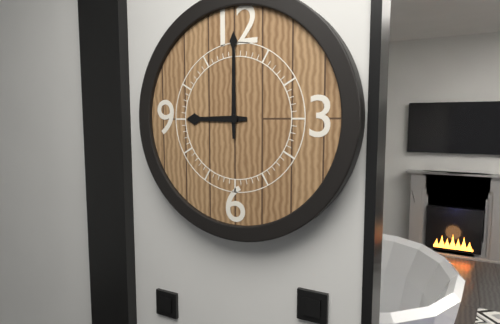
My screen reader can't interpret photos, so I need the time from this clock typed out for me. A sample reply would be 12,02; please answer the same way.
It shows 9,00
